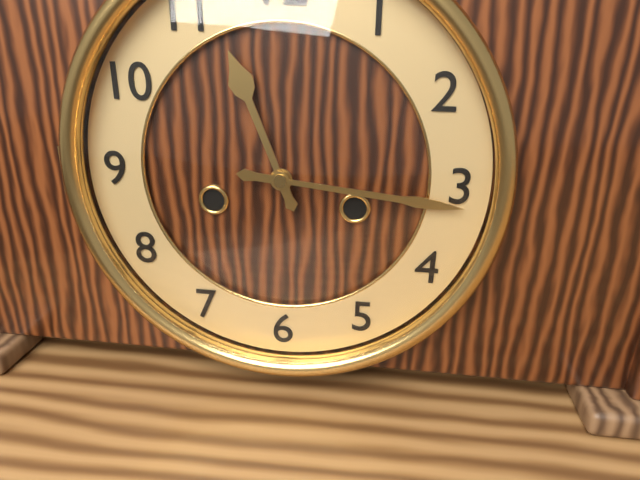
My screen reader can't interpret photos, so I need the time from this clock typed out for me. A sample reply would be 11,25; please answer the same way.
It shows 11,16
